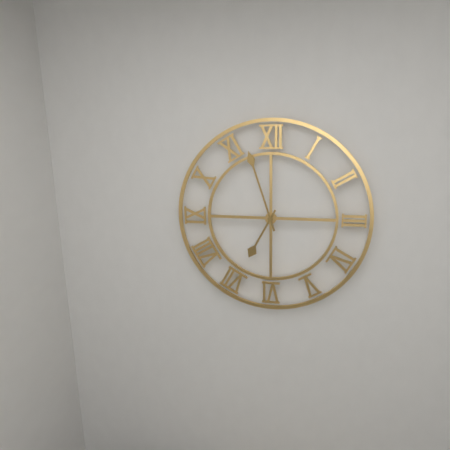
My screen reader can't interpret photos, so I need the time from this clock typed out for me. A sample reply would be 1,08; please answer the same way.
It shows 6,57
